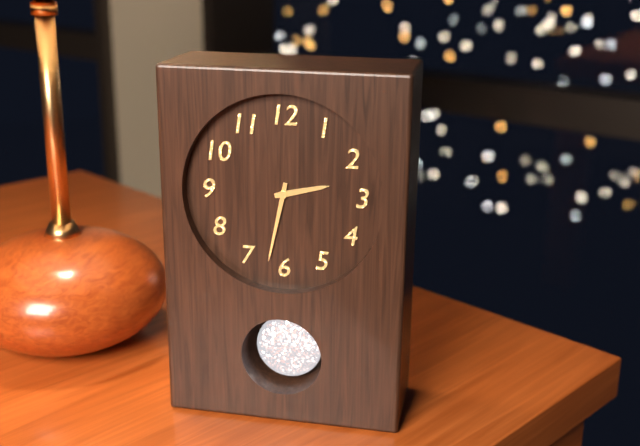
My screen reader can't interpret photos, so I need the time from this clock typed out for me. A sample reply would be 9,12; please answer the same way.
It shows 2,32
